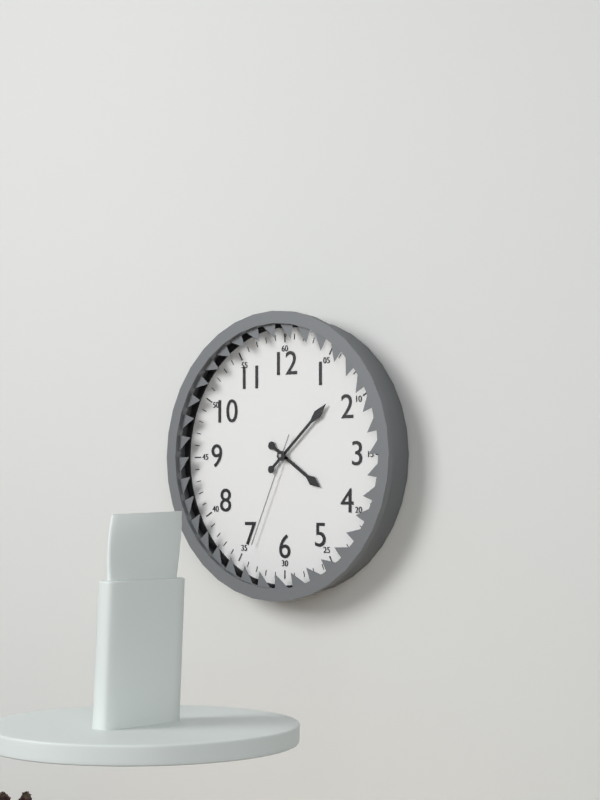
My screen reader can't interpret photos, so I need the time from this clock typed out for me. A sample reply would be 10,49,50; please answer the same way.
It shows 4,08,34
